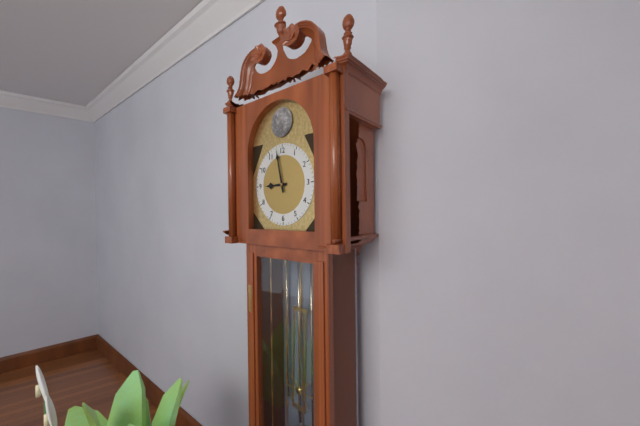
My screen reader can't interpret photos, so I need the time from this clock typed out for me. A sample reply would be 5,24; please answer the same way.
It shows 8,58
